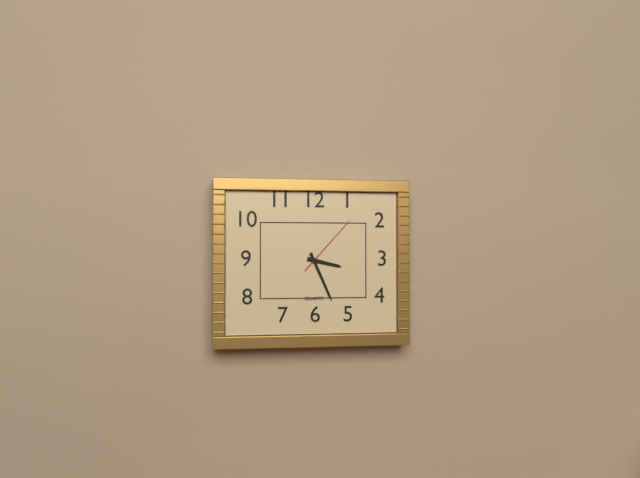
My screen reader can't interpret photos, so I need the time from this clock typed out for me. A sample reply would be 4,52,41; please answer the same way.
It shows 3,26,07
